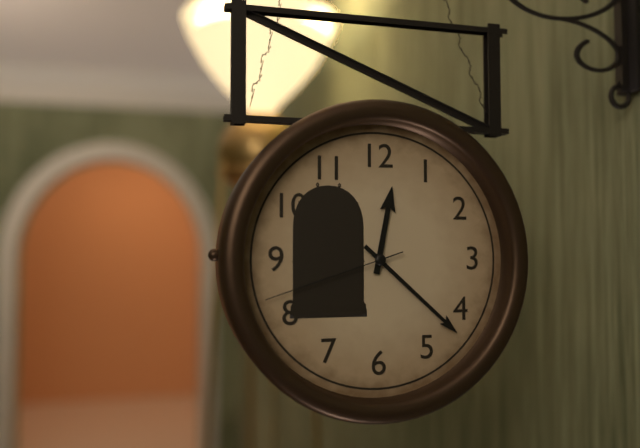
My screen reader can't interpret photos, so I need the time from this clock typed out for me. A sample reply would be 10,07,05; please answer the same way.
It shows 12,22,42
